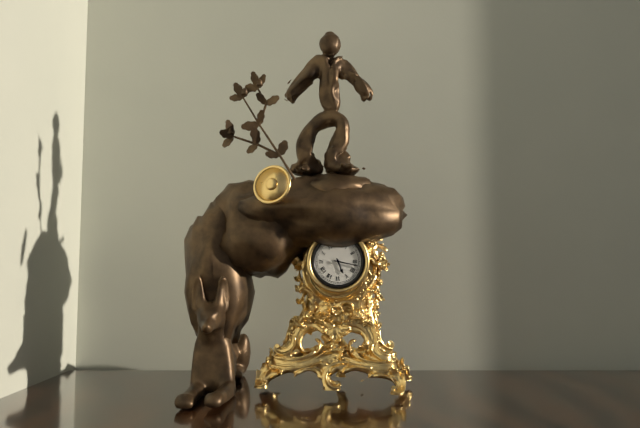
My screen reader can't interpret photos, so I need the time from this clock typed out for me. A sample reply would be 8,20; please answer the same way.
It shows 5,17
